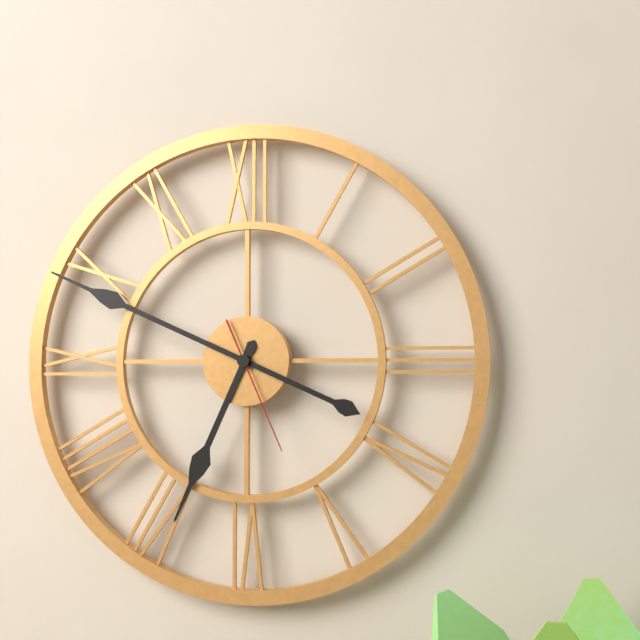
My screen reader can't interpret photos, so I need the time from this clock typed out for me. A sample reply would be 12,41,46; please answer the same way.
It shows 6,49,26
